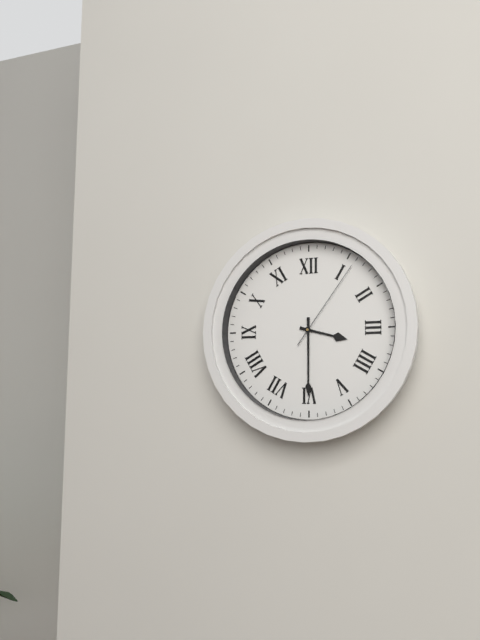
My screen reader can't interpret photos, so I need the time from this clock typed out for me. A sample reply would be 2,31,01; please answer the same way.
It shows 3,30,06
